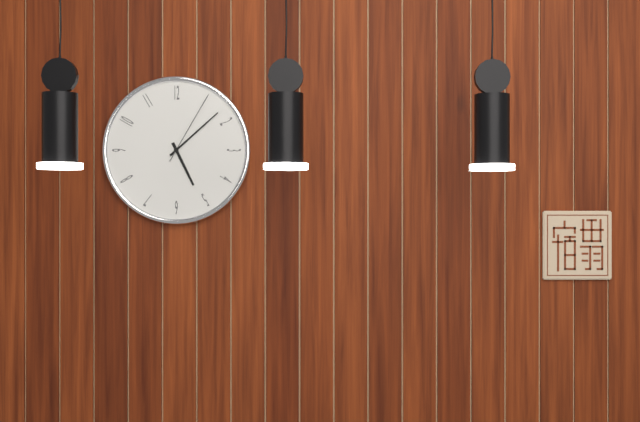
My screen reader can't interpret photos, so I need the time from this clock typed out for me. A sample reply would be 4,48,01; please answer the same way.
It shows 5,08,05
